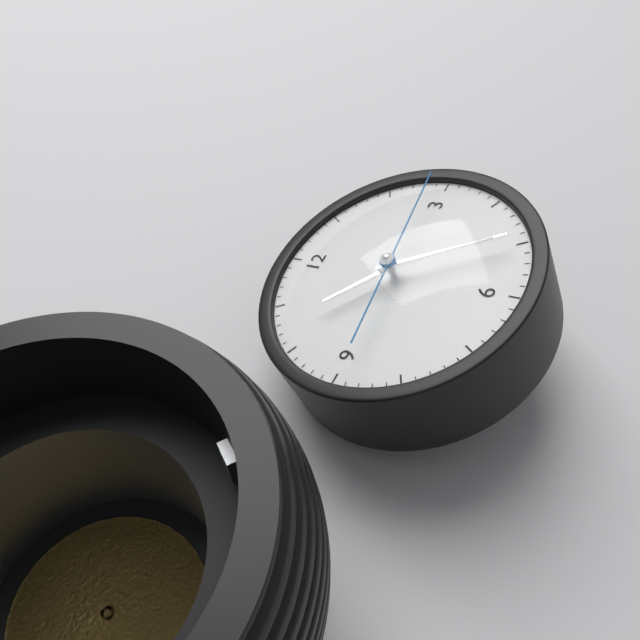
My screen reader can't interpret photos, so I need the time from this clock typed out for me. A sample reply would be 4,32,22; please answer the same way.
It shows 10,25,14
